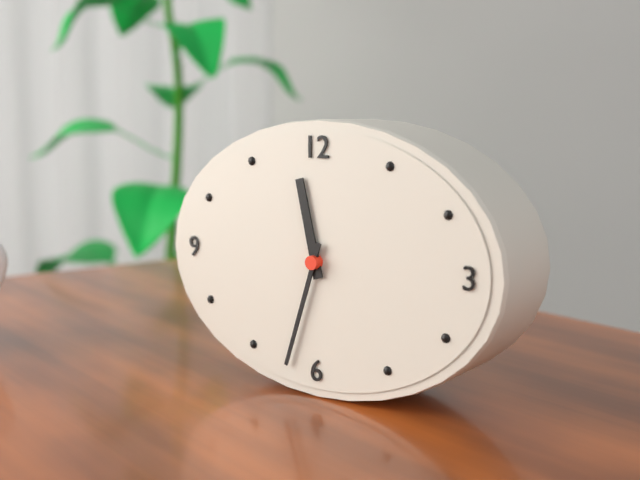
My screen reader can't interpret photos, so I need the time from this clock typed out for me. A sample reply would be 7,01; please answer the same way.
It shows 11,33
